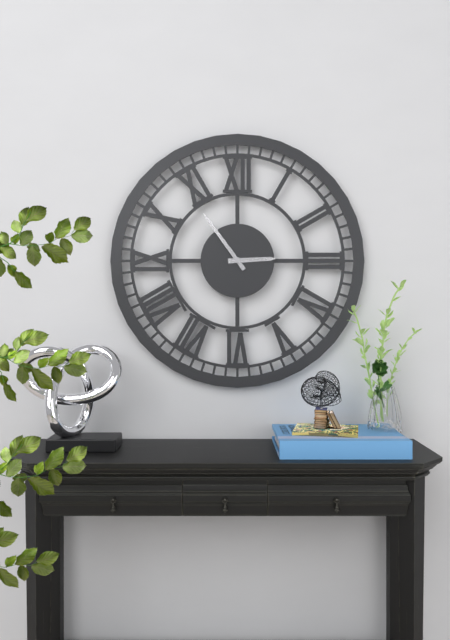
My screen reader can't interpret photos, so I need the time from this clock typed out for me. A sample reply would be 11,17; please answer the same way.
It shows 2,54
